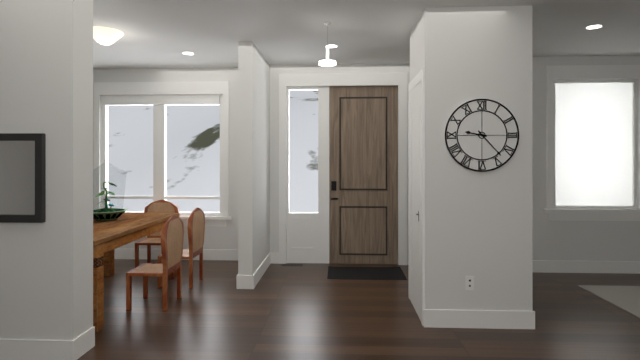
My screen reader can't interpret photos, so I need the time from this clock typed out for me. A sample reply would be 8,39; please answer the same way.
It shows 9,23
